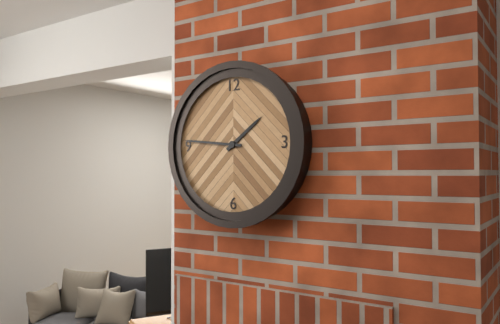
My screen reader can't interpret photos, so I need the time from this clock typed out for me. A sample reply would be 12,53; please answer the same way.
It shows 1,46
